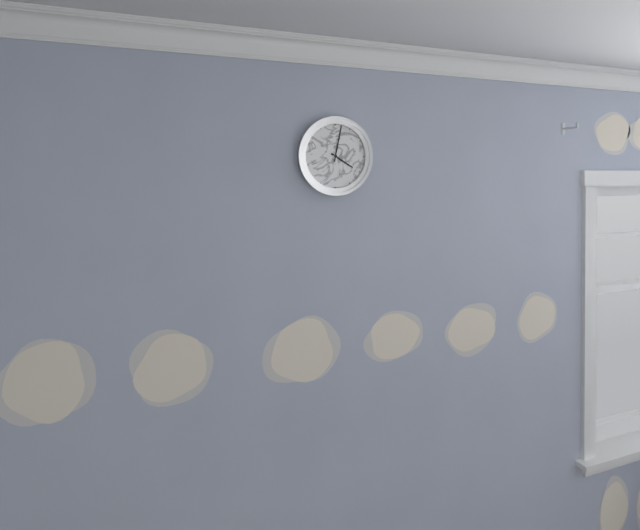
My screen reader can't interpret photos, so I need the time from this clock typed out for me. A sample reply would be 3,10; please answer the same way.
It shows 4,02
